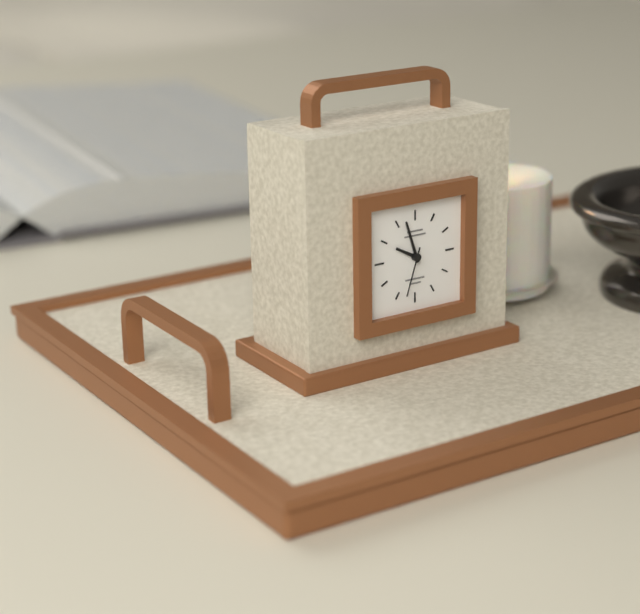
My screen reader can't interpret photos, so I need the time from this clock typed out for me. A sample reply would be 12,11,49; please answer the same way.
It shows 9,57,33
